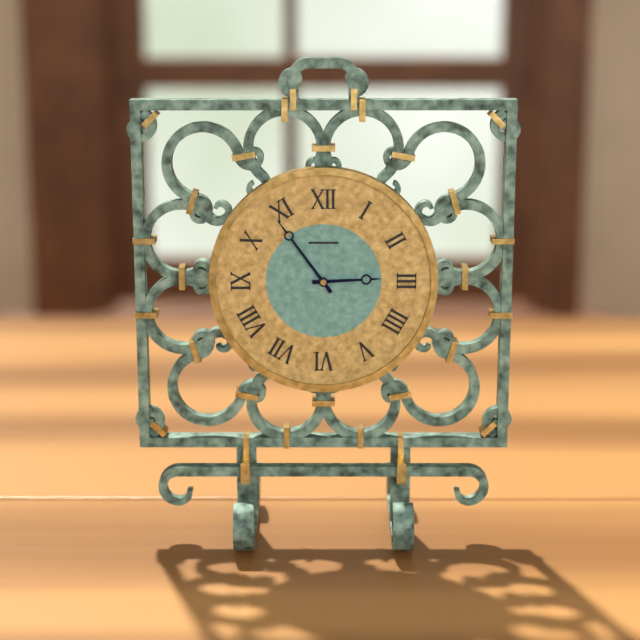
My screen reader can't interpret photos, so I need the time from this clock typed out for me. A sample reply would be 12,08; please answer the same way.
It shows 2,54
